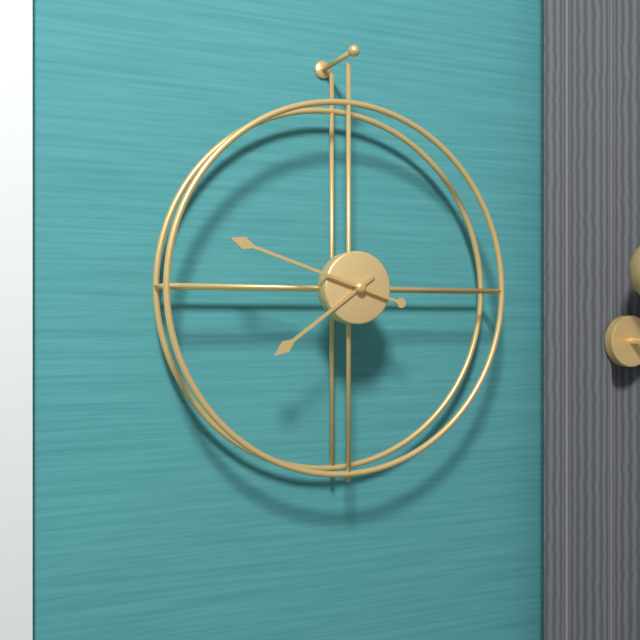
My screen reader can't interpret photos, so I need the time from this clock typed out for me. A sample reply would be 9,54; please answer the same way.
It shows 7,48
